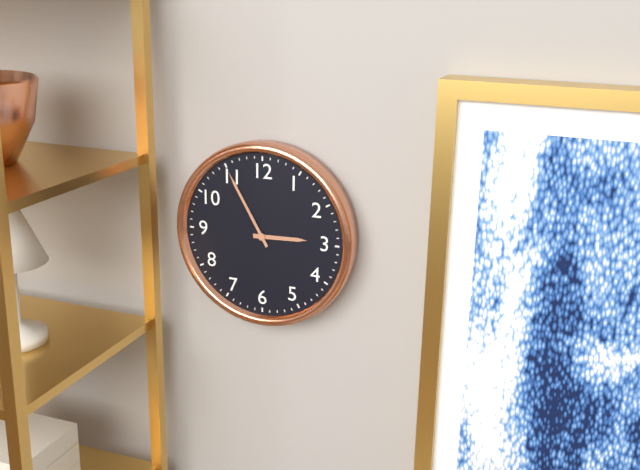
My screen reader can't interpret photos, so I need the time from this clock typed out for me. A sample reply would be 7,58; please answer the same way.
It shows 2,55
